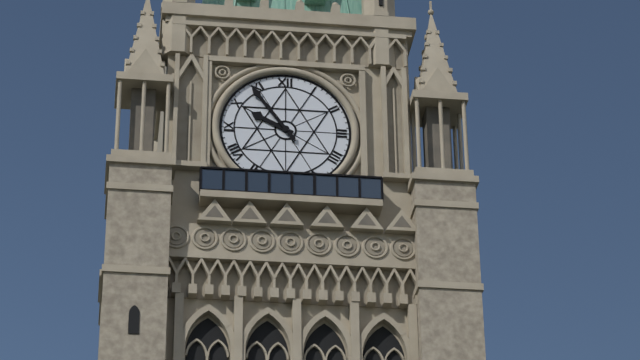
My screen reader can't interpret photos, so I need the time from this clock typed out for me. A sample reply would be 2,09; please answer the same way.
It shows 9,54
